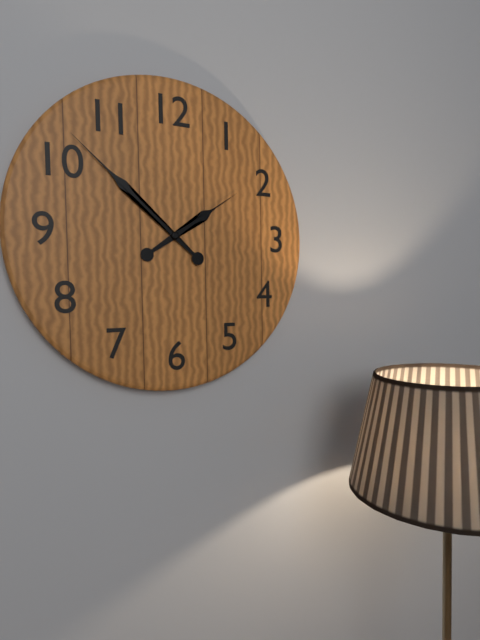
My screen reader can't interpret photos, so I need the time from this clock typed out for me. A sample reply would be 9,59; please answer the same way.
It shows 1,52
